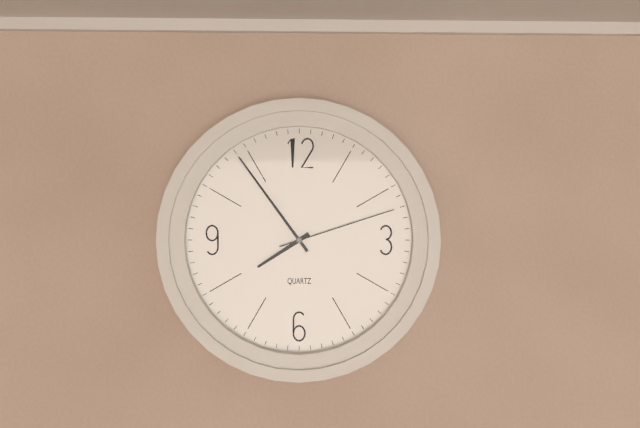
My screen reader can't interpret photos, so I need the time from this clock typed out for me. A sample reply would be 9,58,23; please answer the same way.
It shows 7,54,12
